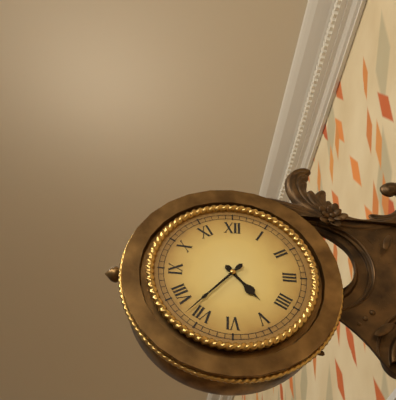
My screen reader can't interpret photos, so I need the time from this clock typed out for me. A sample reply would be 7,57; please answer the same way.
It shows 4,37
